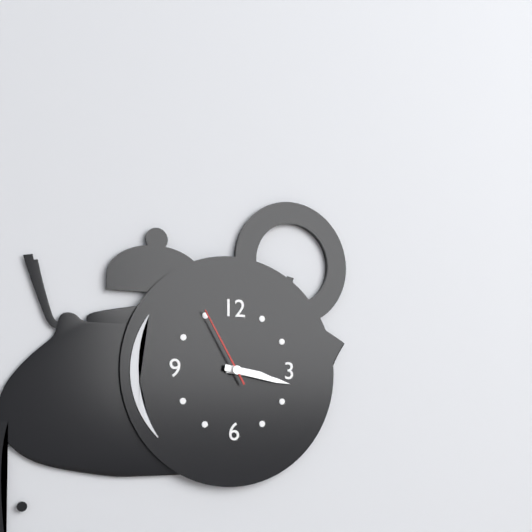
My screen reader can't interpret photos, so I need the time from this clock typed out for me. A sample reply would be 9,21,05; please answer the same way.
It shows 3,17,55
